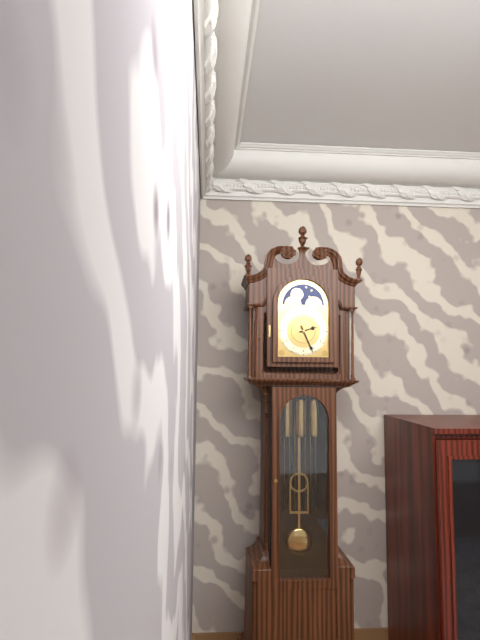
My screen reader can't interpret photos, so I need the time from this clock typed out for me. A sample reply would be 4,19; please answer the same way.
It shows 2,26
